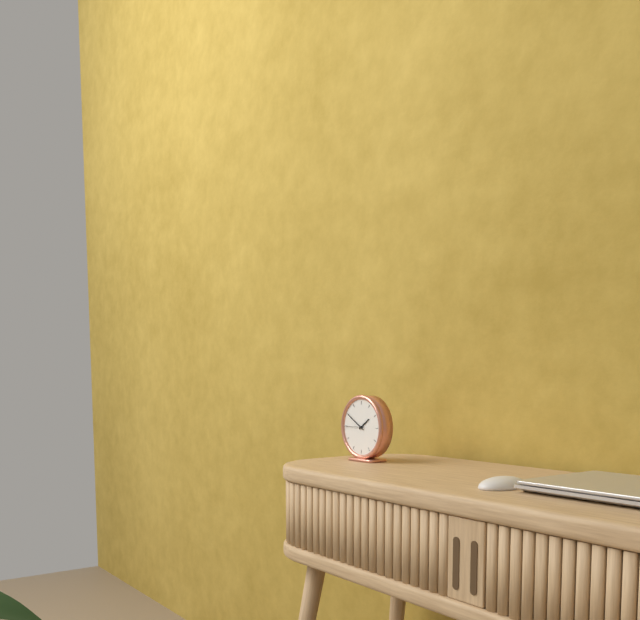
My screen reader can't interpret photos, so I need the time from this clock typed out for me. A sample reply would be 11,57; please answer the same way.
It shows 1,50
